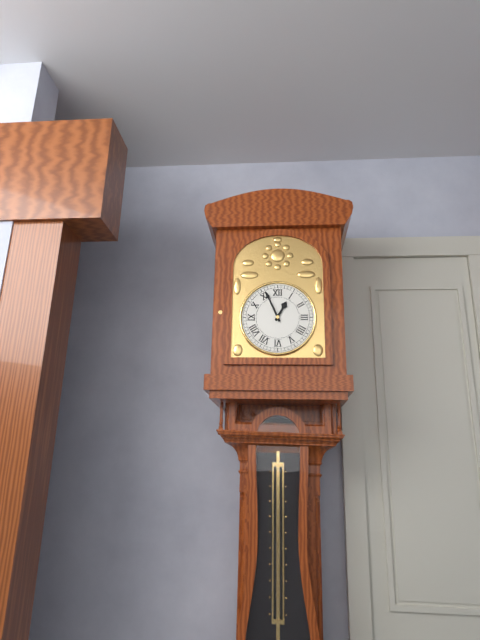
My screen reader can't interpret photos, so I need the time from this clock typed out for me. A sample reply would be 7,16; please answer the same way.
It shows 12,56
